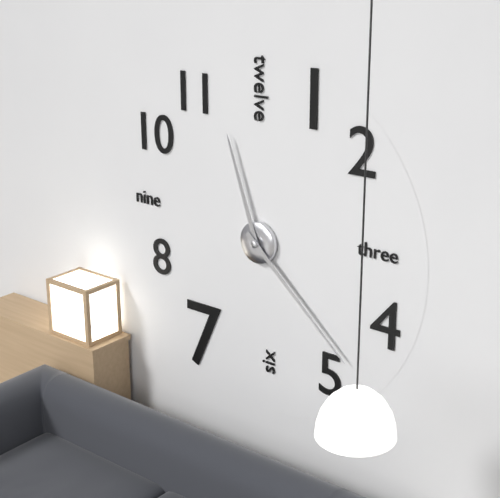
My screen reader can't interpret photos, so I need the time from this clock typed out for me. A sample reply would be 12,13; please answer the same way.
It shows 11,22
